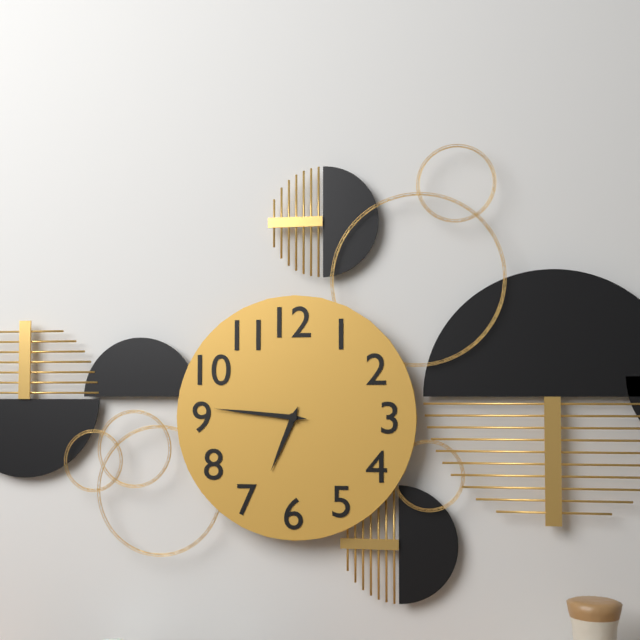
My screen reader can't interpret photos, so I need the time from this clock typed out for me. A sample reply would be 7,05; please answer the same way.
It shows 6,46
